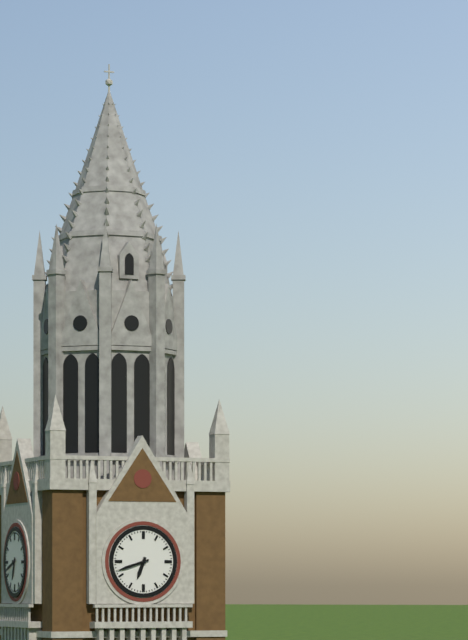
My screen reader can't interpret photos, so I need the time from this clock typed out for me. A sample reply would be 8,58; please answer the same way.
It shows 6,42
